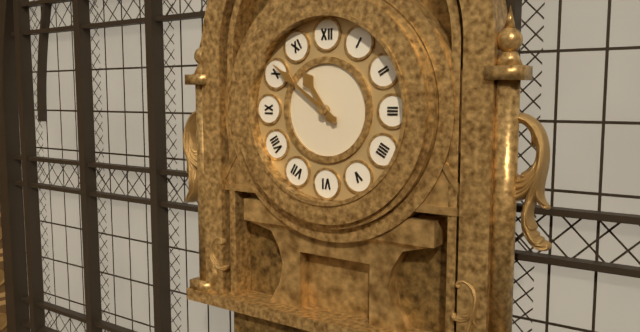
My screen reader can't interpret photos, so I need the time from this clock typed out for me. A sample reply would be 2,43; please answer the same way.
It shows 10,51
